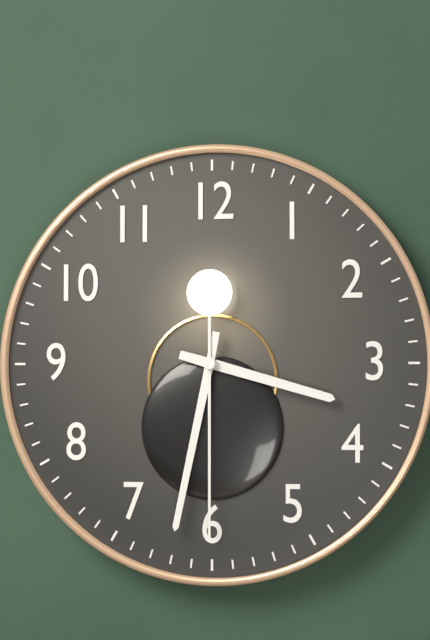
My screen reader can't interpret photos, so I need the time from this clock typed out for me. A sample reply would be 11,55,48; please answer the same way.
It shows 3,32,30
